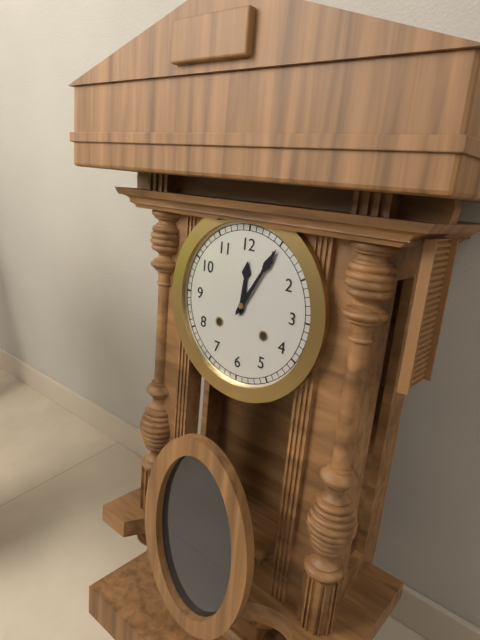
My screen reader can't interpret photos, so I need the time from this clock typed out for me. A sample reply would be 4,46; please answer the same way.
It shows 12,05
